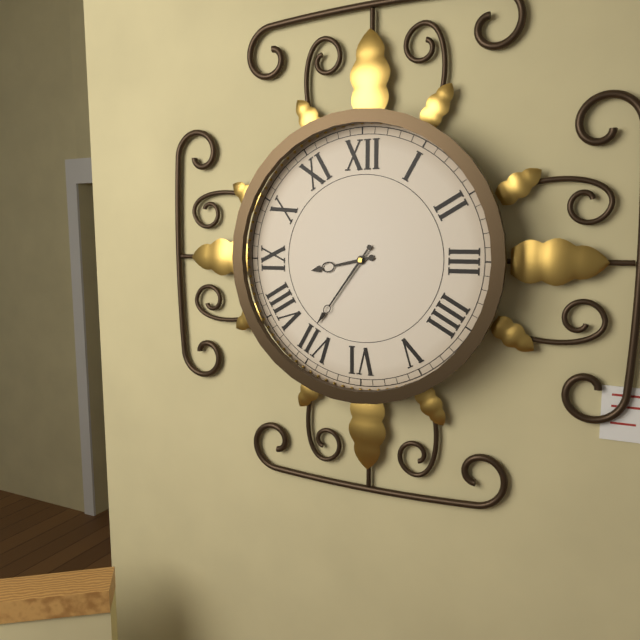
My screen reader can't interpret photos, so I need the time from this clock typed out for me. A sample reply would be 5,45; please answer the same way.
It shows 8,36
